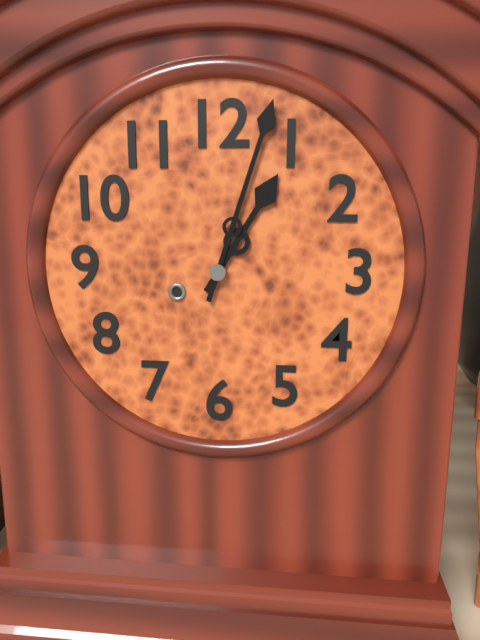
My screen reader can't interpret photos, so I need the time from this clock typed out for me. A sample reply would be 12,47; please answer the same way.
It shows 1,03
